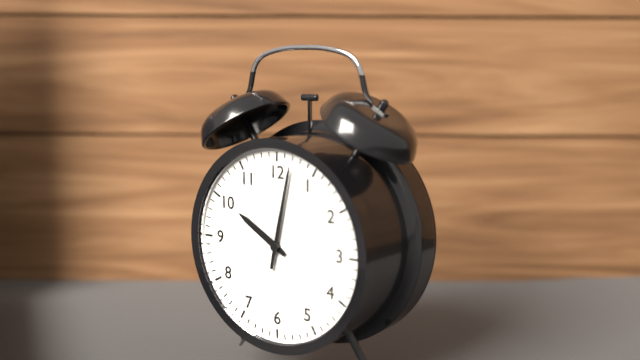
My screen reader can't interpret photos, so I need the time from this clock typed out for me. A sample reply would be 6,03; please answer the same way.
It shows 10,02
